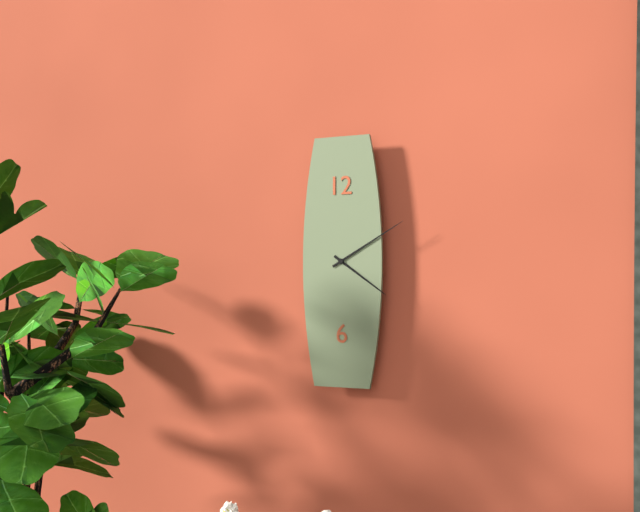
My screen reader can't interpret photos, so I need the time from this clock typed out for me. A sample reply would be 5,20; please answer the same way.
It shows 4,10
